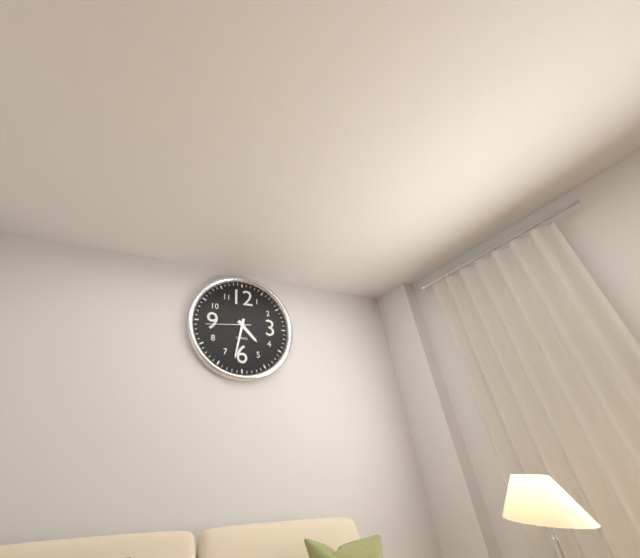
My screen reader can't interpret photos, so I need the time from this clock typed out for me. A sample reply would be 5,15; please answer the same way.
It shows 4,32
